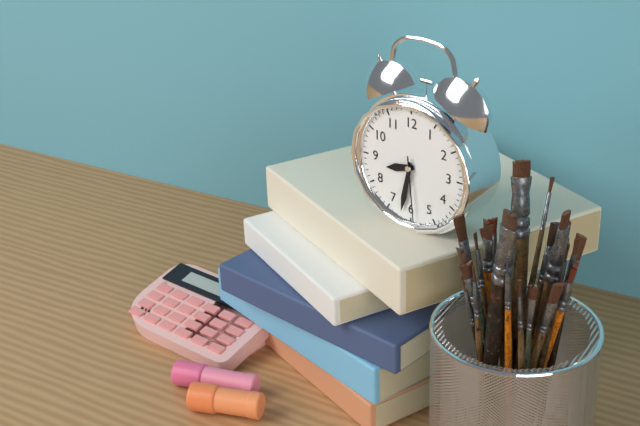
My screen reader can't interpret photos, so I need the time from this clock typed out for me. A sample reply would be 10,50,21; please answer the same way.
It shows 8,32,29
